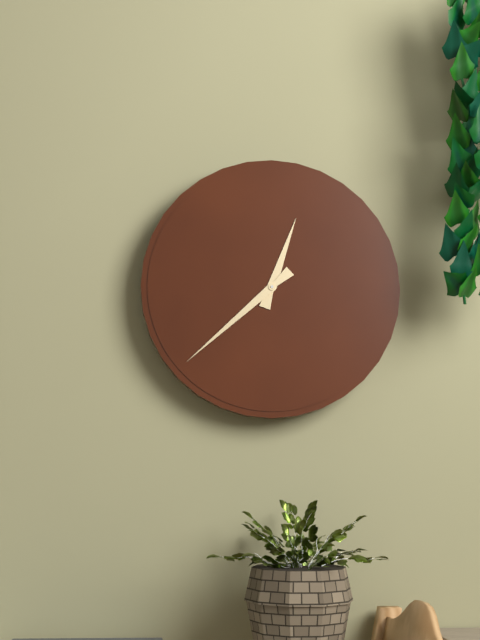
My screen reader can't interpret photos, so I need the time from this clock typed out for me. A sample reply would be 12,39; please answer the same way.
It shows 12,38
